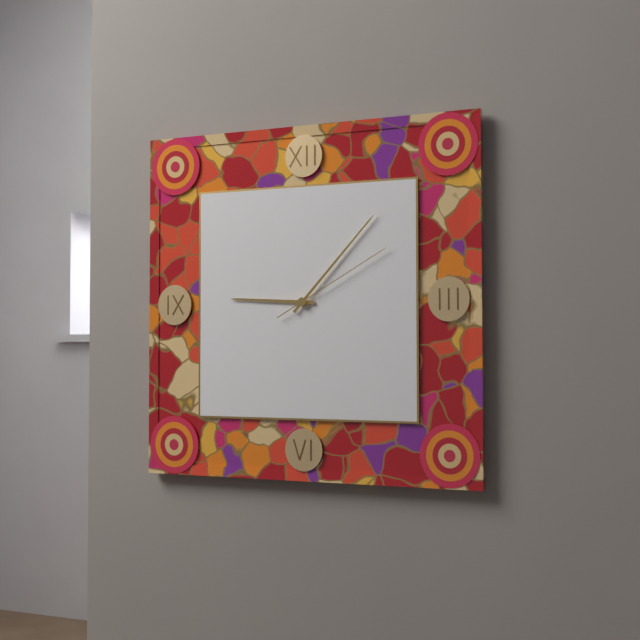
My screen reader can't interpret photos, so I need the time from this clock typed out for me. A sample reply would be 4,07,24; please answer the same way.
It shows 9,07,10
